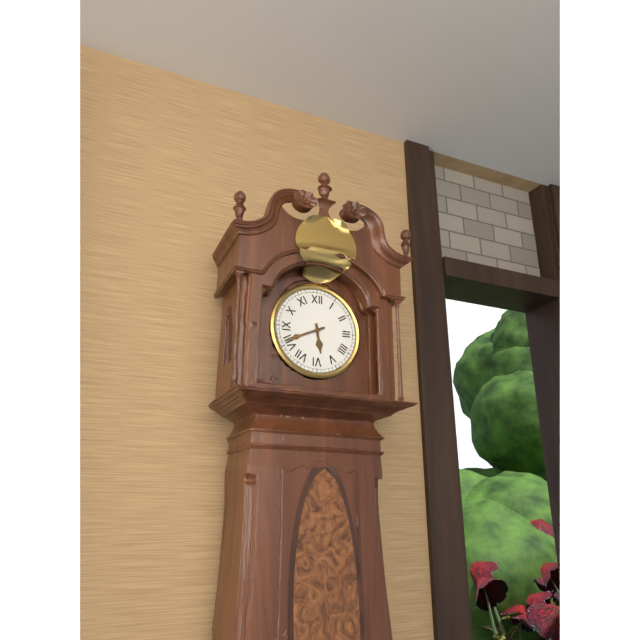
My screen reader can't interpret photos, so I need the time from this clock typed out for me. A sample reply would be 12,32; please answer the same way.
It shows 5,41
